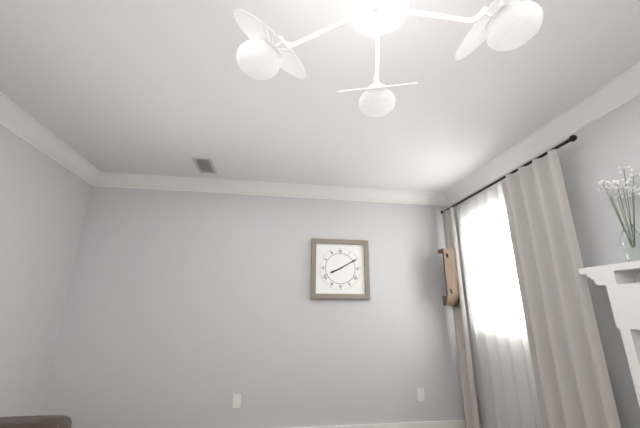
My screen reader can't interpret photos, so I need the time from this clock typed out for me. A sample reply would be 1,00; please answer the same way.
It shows 8,10
